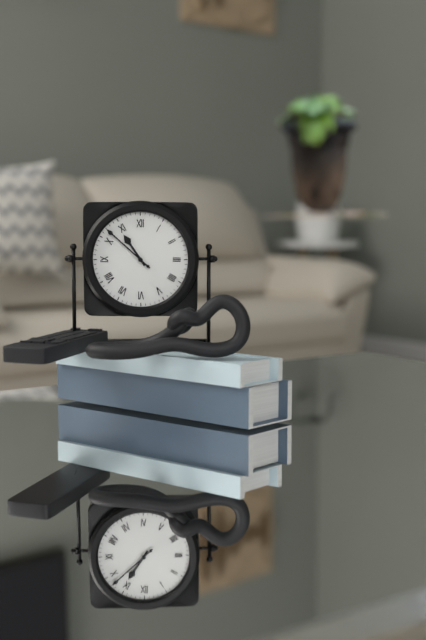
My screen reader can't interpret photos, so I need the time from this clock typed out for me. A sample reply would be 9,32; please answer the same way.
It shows 10,52
